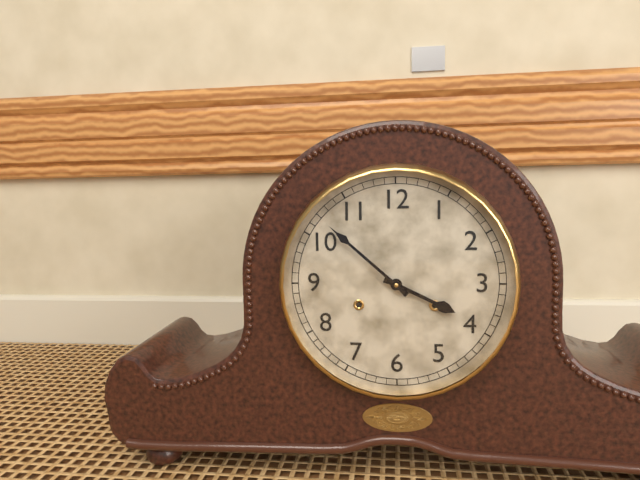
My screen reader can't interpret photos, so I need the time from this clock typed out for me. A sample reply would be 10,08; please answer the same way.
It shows 3,52
